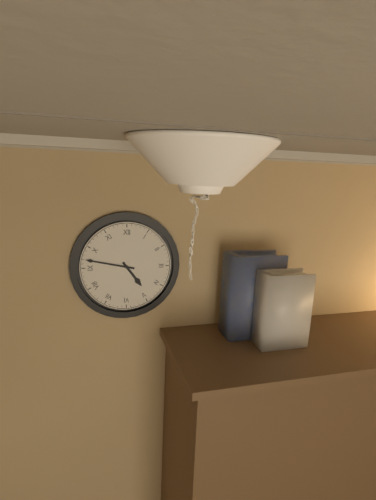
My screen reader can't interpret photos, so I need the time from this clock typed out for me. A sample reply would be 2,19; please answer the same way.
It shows 4,47
